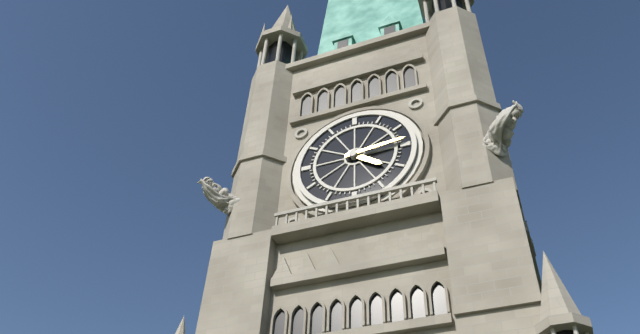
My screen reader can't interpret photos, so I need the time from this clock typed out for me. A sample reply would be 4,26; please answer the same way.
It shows 4,14
